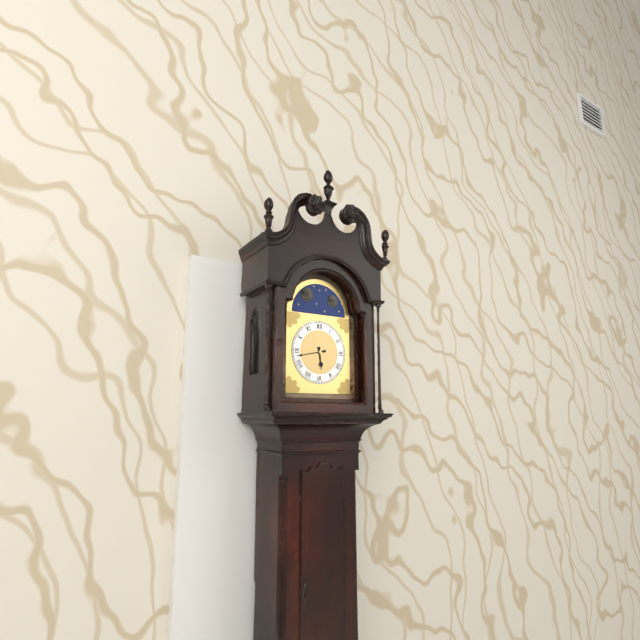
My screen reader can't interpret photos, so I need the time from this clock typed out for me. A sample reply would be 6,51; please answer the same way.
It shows 5,43
